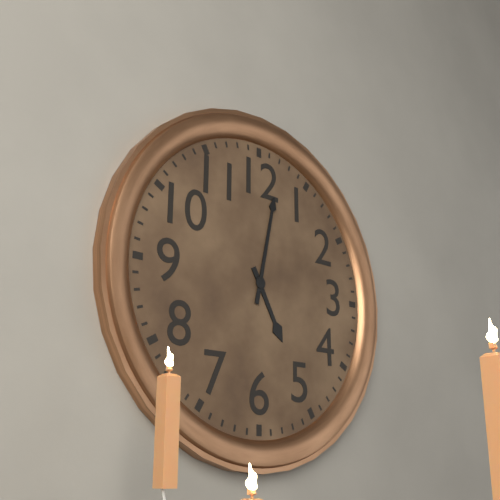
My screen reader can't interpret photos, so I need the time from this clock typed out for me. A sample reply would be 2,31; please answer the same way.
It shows 5,02
